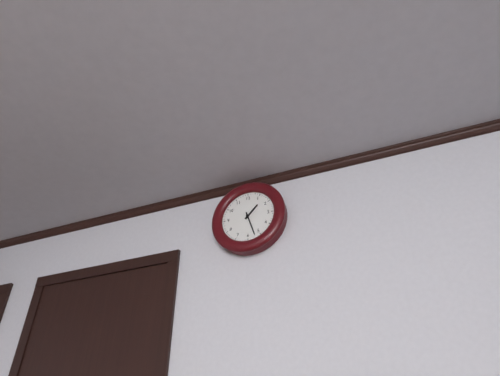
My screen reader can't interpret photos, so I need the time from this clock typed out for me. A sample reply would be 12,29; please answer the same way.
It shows 1,27
